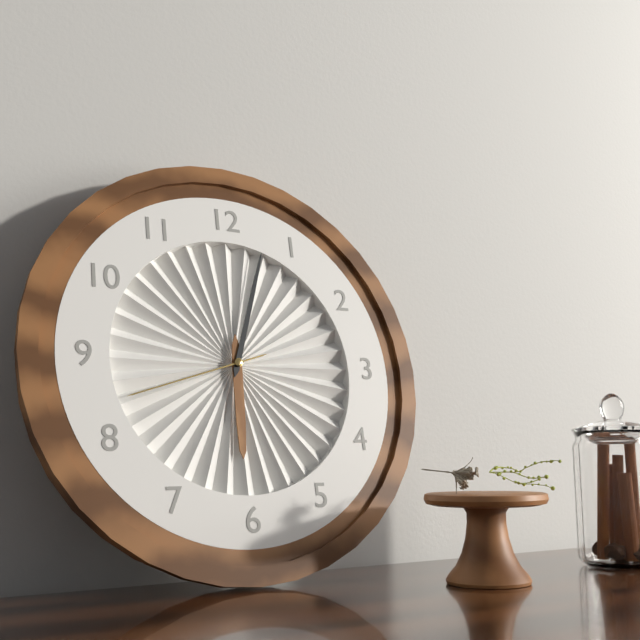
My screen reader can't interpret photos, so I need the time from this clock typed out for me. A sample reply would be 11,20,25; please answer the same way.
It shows 6,03,42
